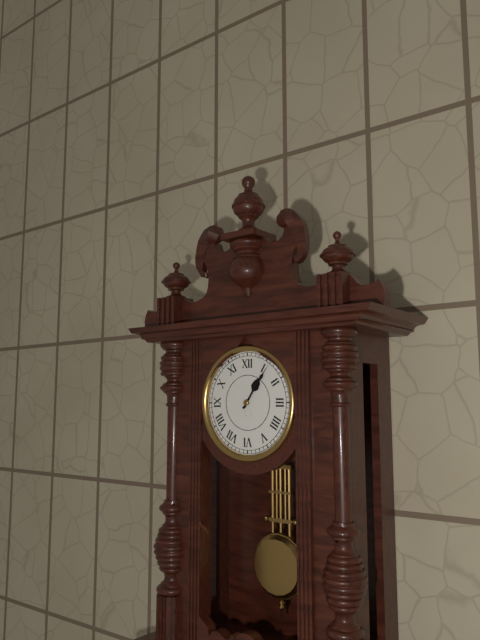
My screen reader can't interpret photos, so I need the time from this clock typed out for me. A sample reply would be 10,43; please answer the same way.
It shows 1,06
